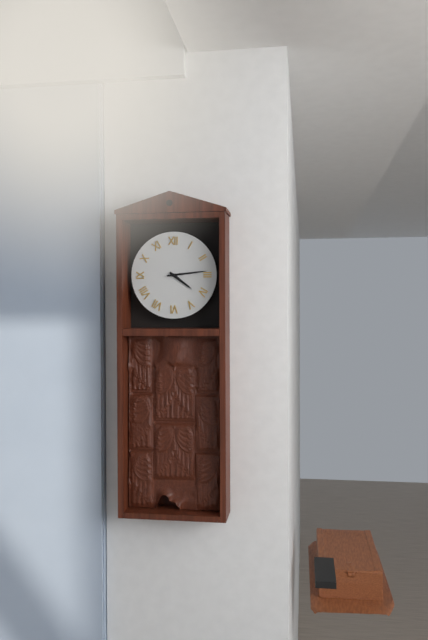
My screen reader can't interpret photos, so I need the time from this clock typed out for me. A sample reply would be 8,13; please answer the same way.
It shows 4,14
